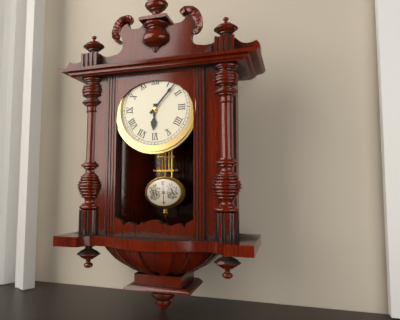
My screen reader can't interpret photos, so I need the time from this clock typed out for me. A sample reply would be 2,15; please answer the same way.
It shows 6,07
